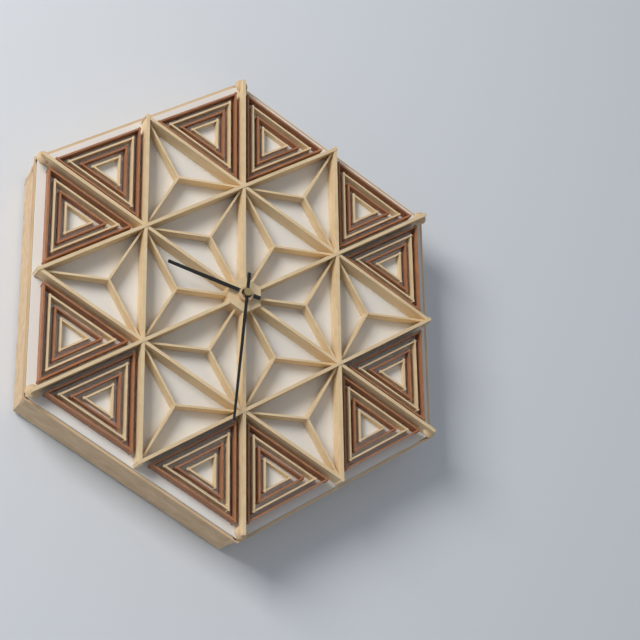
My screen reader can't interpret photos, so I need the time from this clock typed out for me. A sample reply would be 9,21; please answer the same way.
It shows 9,31
